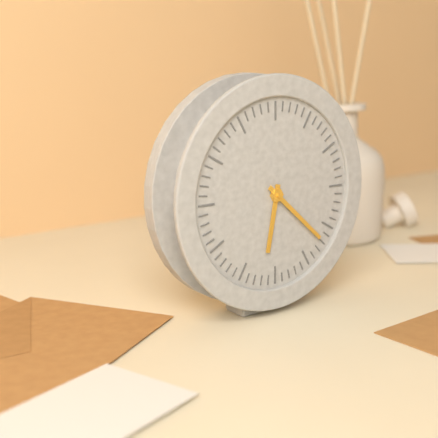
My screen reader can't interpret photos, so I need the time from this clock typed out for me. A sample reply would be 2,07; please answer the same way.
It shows 6,22
